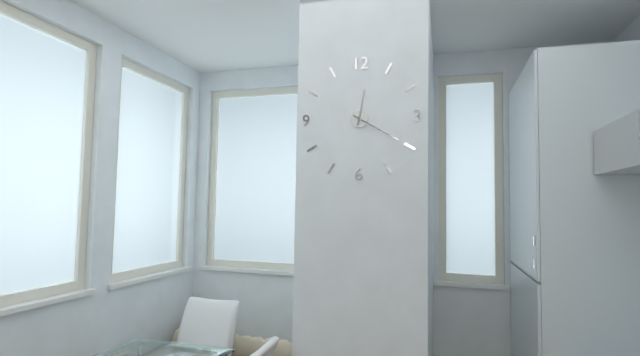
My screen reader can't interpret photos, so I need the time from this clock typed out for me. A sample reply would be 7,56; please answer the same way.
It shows 12,20
